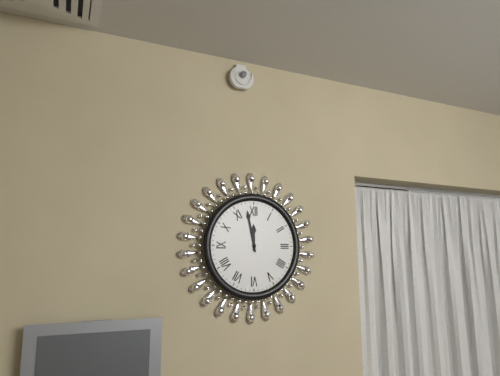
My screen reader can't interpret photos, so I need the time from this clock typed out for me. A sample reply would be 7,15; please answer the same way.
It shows 11,58
